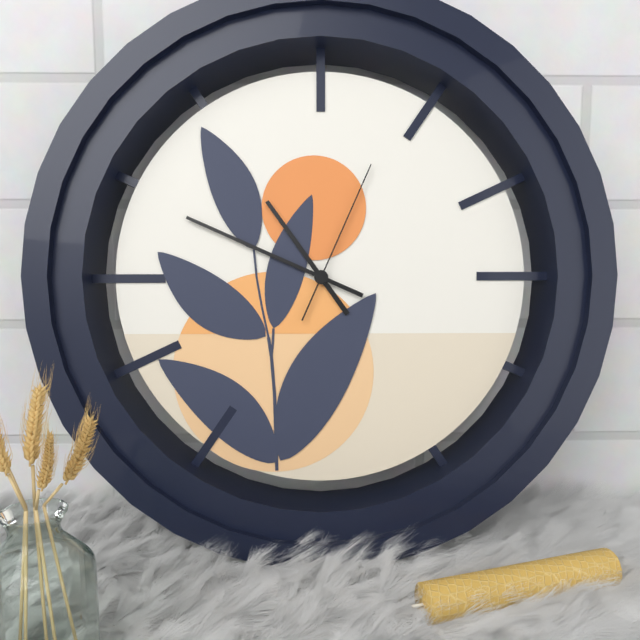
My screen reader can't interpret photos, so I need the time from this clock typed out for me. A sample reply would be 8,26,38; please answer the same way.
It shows 10,49,04
